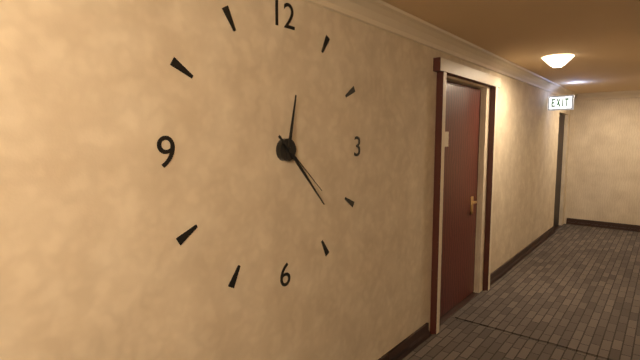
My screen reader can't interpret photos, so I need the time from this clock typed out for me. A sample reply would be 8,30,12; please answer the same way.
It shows 12,23,22
